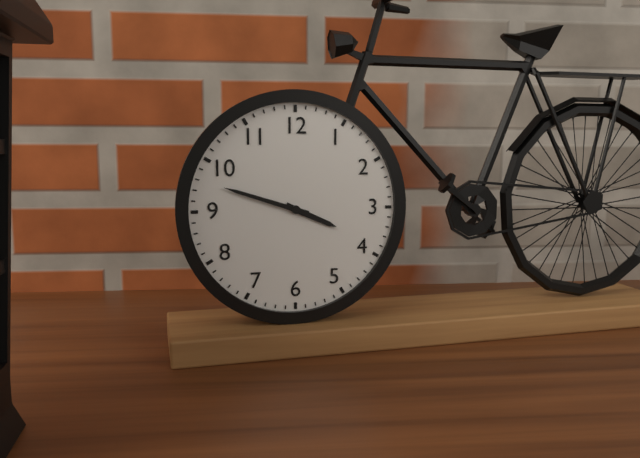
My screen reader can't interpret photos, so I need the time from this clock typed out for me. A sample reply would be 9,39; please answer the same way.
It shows 3,48
